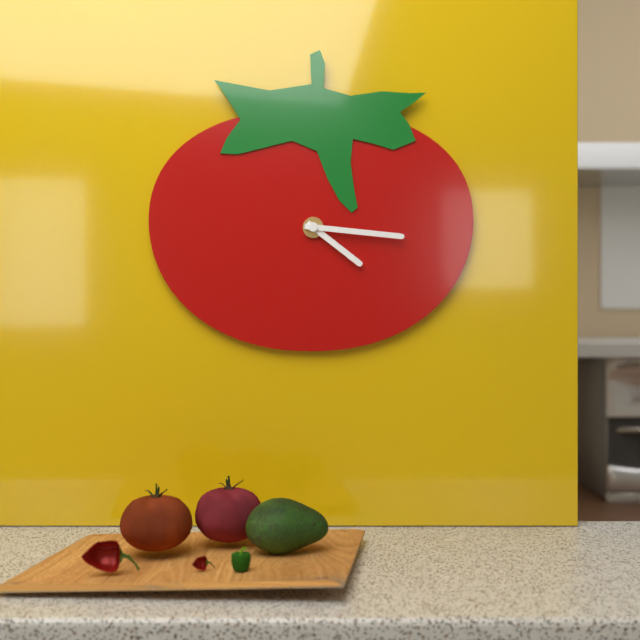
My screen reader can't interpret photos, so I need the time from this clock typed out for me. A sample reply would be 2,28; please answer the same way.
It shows 4,16
